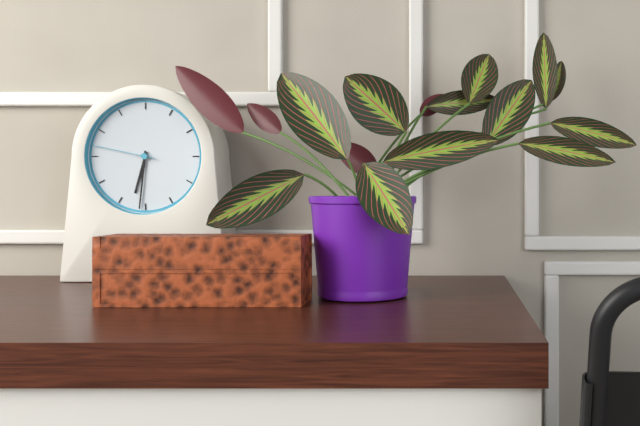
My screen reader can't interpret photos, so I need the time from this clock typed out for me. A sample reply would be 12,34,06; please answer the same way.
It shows 6,31,47
